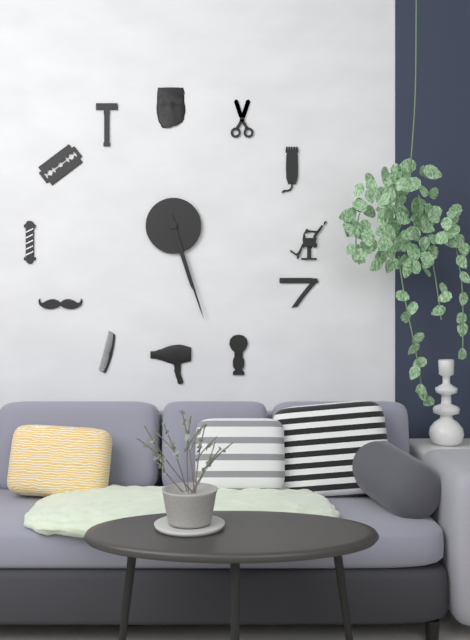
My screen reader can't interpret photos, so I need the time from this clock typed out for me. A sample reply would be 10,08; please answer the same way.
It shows 5,27
